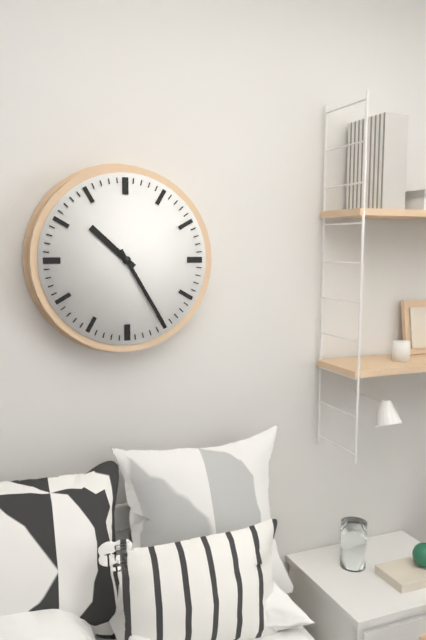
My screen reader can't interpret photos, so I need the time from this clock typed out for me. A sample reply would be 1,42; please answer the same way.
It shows 10,25
